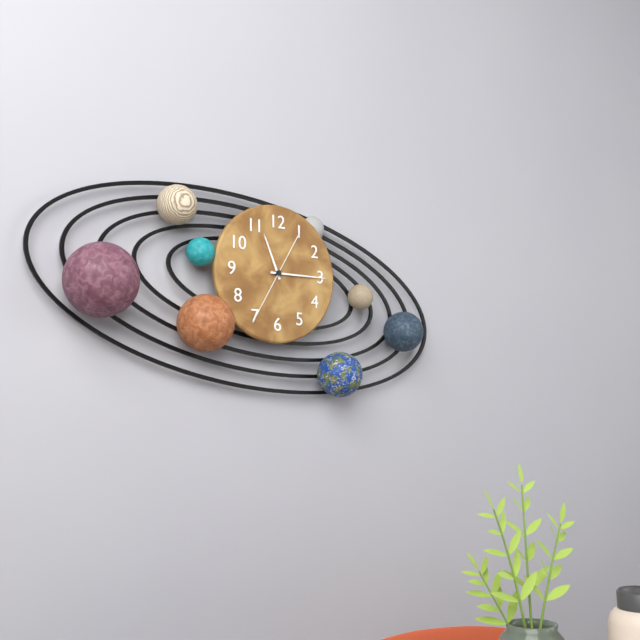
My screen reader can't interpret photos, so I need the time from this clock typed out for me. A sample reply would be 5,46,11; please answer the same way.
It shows 11,15,35
